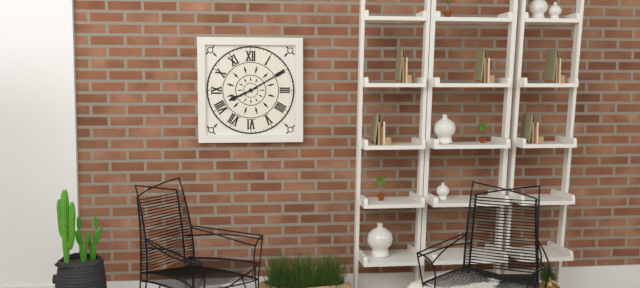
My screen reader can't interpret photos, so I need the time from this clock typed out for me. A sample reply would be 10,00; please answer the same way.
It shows 8,10
